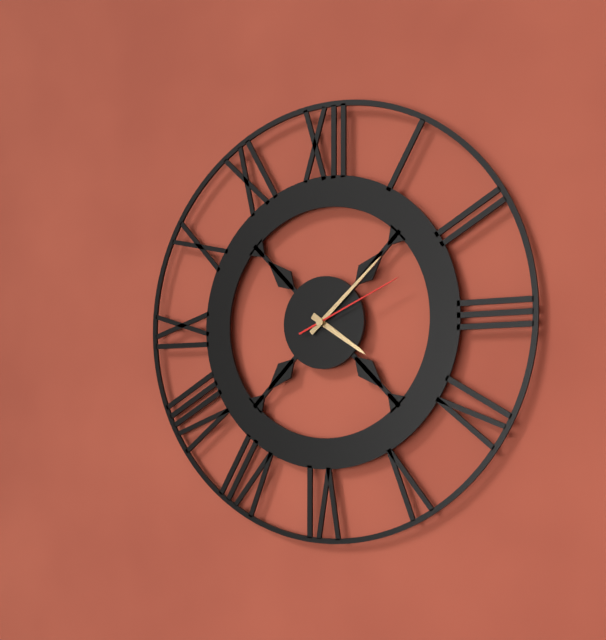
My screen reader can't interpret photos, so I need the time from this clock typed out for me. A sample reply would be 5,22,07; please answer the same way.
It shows 4,08,11
